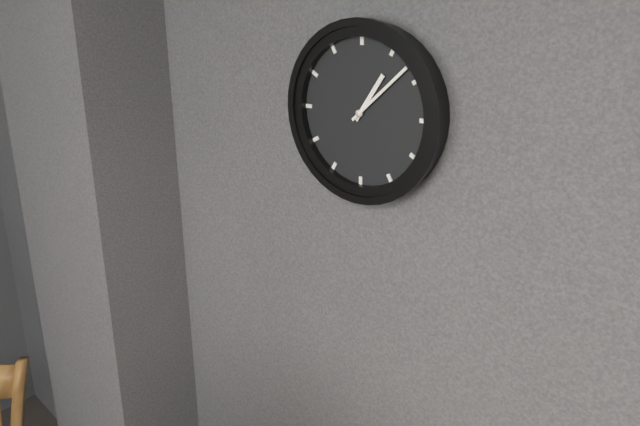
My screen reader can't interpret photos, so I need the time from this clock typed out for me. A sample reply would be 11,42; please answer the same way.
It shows 1,08
